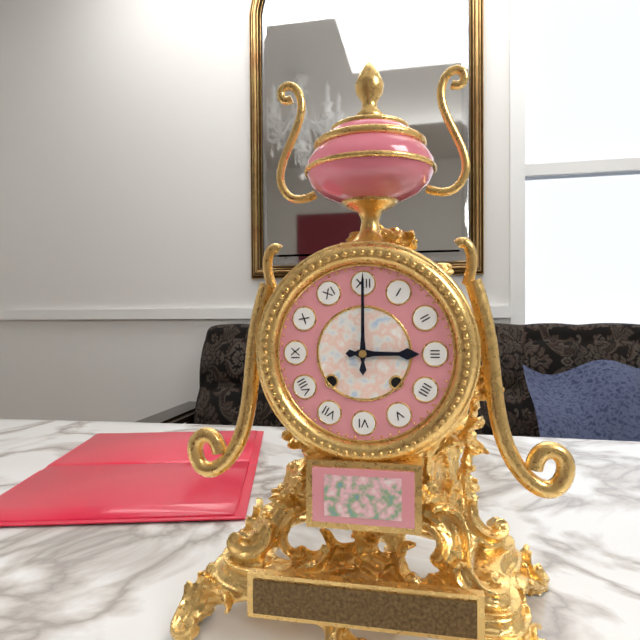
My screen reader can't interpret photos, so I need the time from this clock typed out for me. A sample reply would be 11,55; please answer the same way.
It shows 3,00
